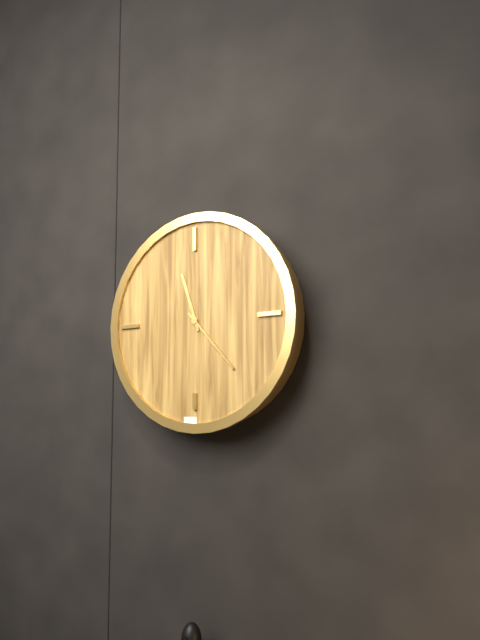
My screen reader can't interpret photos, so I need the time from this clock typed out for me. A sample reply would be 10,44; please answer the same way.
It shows 11,23
